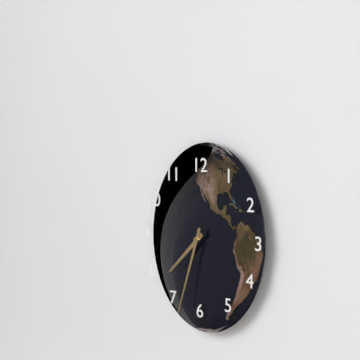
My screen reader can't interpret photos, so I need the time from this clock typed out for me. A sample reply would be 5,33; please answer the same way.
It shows 7,33
